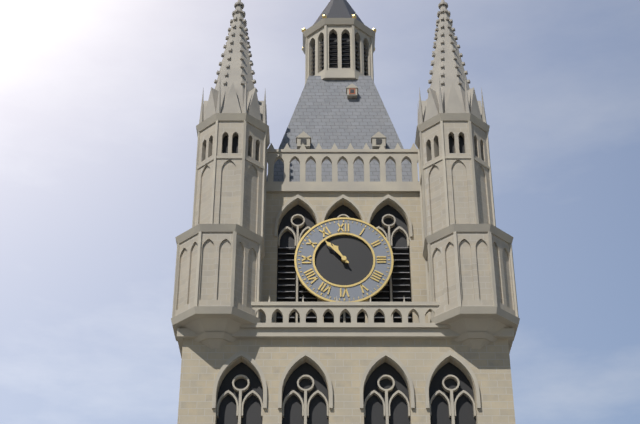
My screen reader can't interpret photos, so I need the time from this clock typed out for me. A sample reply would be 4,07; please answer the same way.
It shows 10,53
